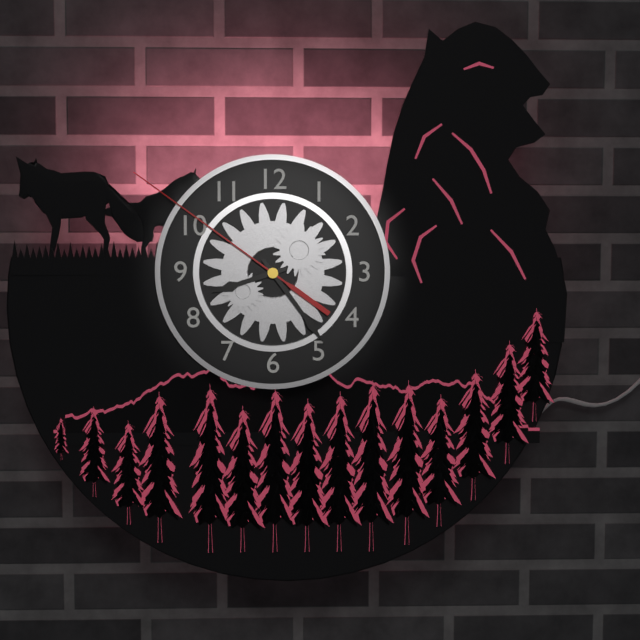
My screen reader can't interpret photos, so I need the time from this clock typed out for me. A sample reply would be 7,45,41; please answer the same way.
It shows 8,24,51
